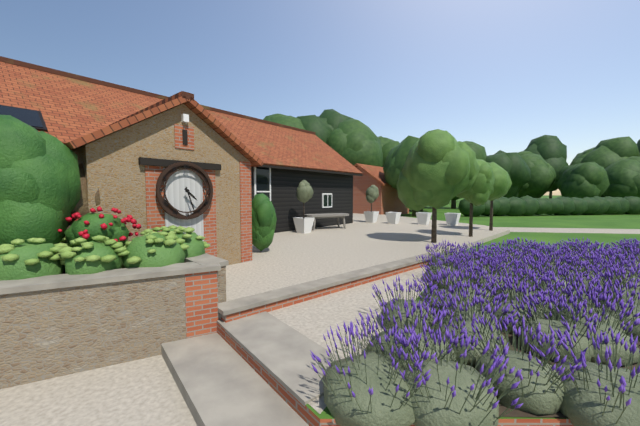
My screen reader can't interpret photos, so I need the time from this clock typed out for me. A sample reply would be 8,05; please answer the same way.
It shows 4,27
